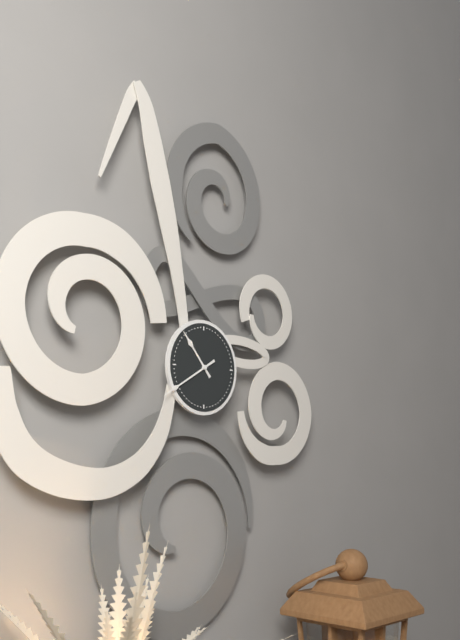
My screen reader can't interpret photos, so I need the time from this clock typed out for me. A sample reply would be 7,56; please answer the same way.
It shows 10,40
